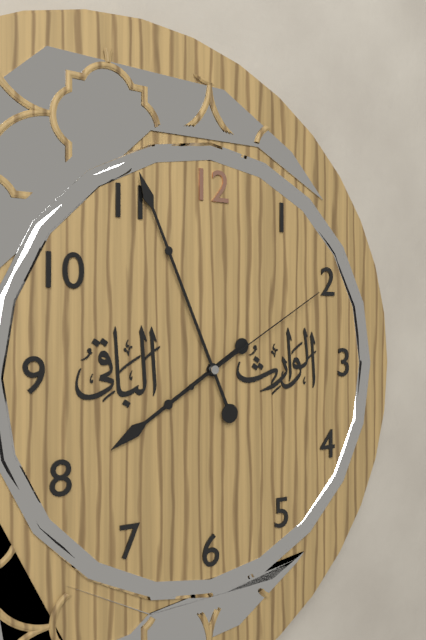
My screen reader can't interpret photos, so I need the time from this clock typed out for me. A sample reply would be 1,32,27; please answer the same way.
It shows 7,56,10
